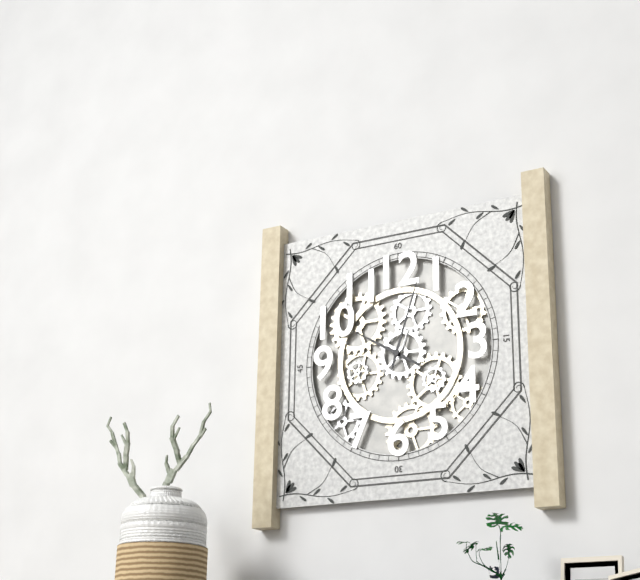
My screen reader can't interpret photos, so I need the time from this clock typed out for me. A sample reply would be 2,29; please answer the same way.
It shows 10,03
